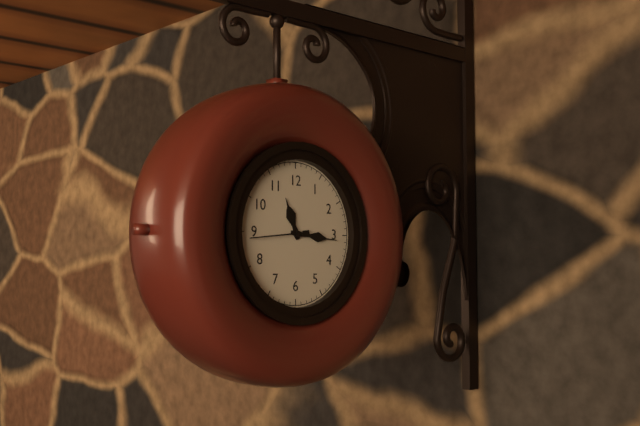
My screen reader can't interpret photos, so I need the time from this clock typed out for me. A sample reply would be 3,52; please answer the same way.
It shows 11,16
